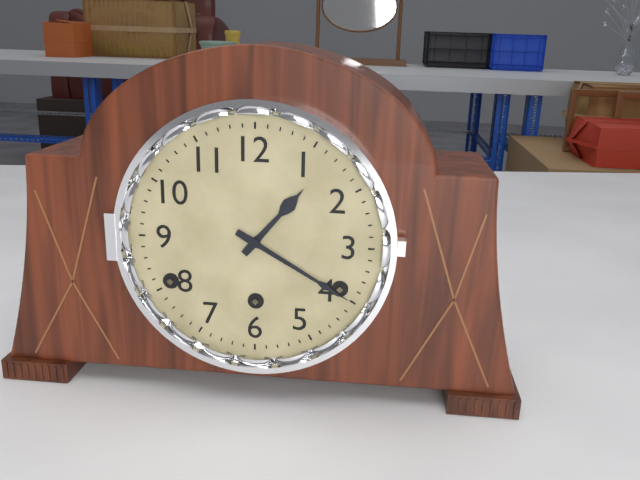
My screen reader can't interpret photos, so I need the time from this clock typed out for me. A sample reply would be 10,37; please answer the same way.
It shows 1,20
